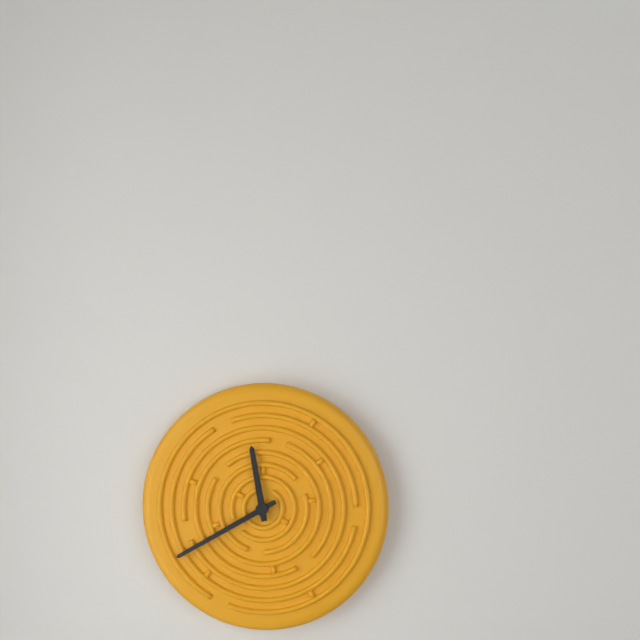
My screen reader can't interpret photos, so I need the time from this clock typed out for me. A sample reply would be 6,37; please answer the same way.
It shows 11,40
